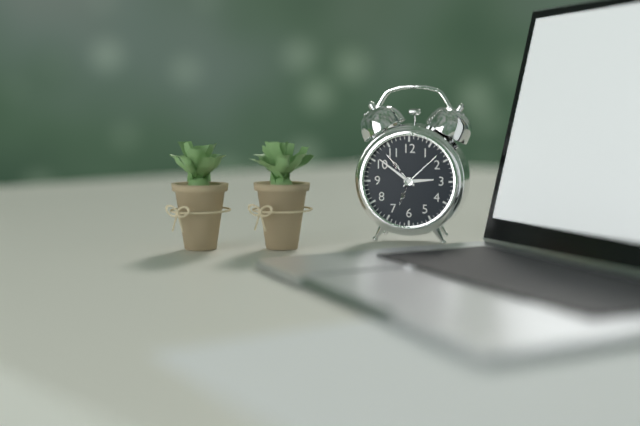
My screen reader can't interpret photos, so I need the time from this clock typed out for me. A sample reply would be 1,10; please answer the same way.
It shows 2,51
